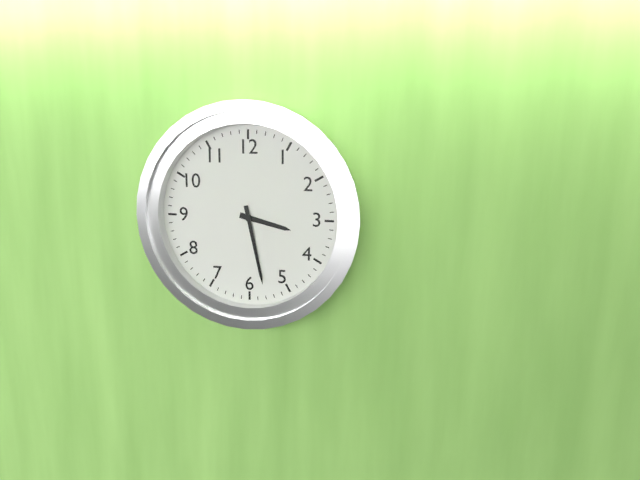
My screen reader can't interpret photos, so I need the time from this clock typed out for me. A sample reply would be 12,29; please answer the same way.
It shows 3,28
